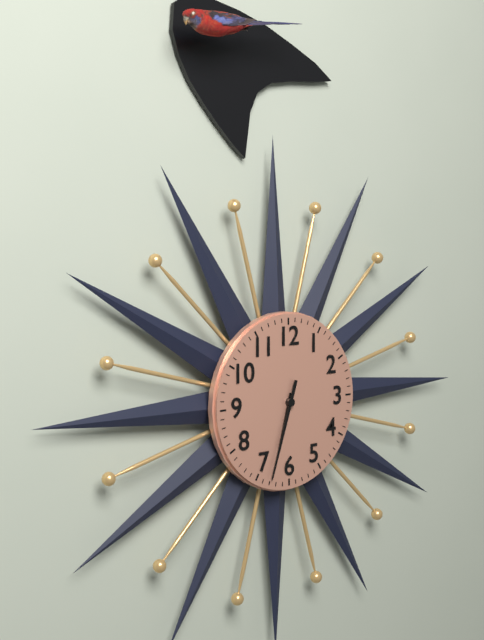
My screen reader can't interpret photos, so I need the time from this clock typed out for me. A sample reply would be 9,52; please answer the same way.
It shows 6,33
